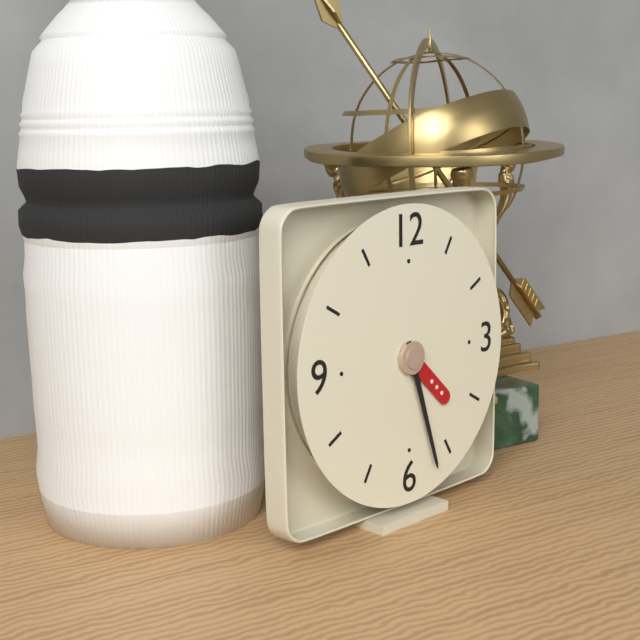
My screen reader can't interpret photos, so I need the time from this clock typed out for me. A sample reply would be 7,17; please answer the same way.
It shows 4,27
